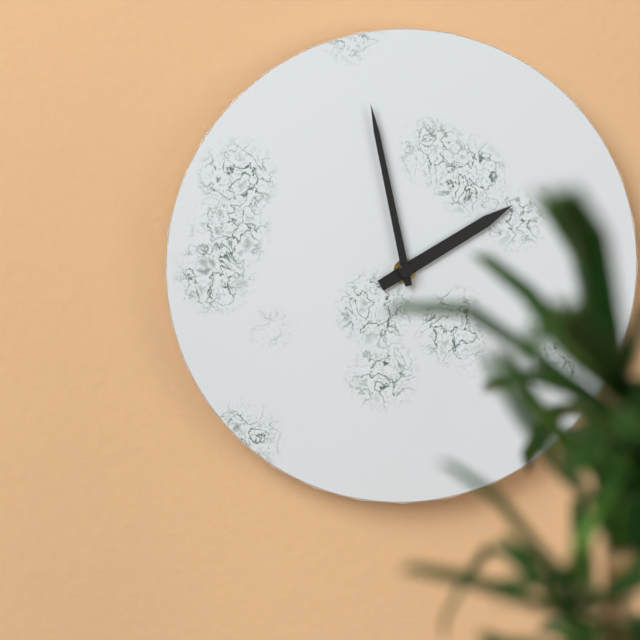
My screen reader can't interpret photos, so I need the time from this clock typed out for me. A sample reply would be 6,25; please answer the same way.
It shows 1,58
